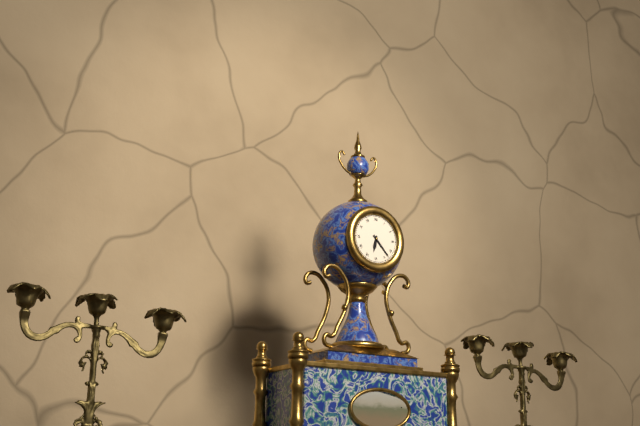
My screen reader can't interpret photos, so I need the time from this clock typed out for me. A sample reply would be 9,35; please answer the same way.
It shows 6,23
